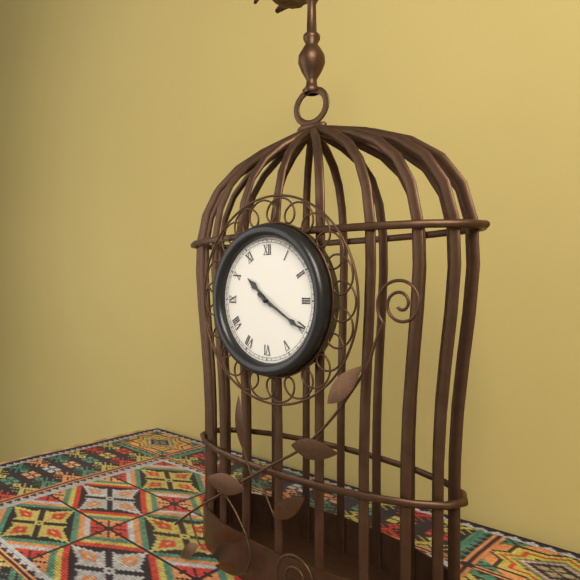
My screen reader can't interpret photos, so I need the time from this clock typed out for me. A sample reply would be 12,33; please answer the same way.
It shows 10,20
